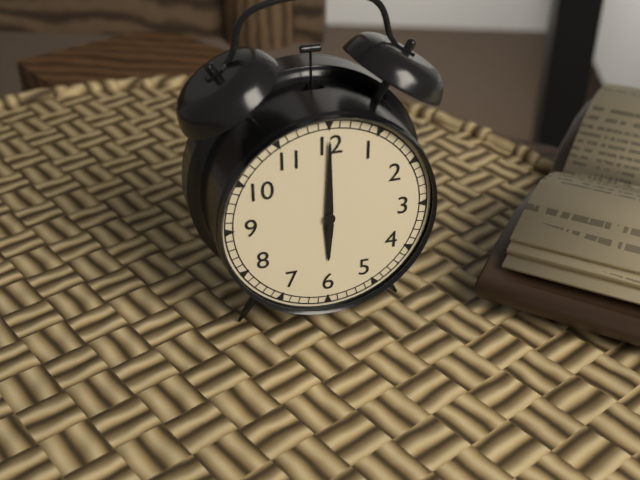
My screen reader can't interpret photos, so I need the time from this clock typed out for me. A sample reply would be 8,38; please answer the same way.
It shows 6,00
